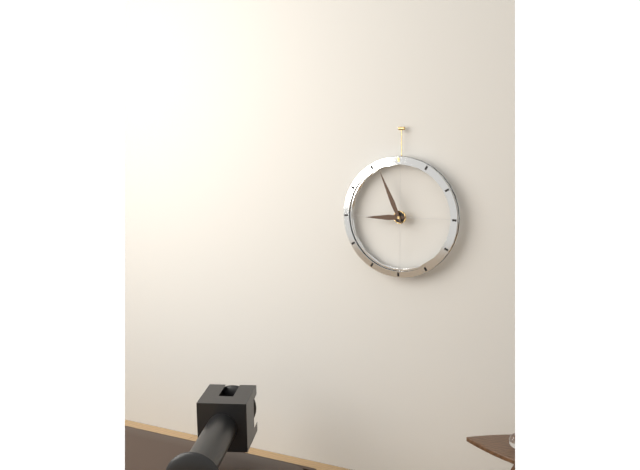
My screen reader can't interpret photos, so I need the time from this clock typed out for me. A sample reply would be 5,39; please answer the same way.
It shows 8,56
